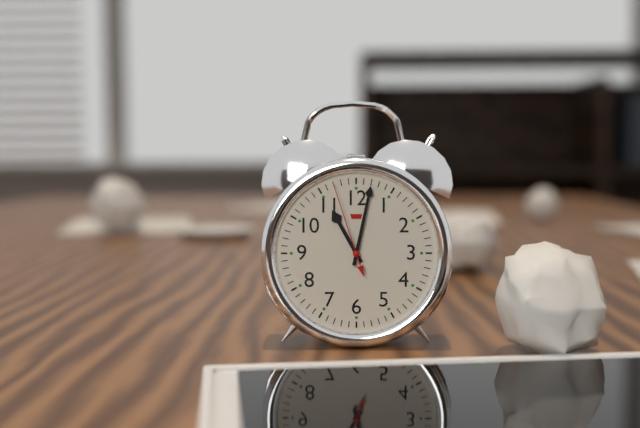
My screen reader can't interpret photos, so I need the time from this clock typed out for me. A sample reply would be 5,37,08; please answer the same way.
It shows 11,02,57
